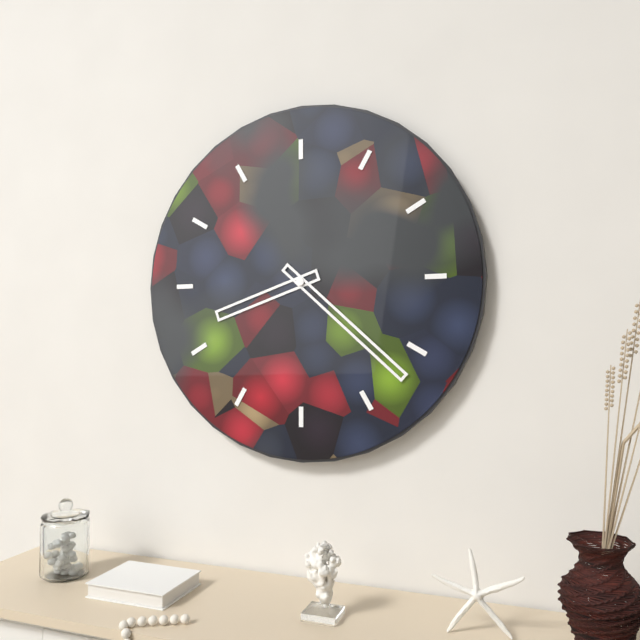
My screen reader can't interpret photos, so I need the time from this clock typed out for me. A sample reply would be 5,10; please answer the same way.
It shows 8,22
